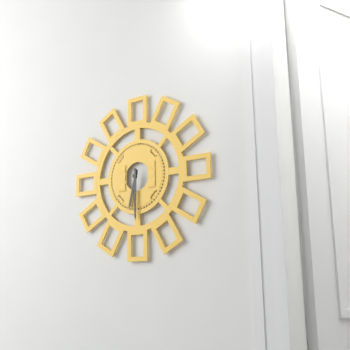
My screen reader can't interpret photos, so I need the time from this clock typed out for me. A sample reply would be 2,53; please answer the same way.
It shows 6,30
